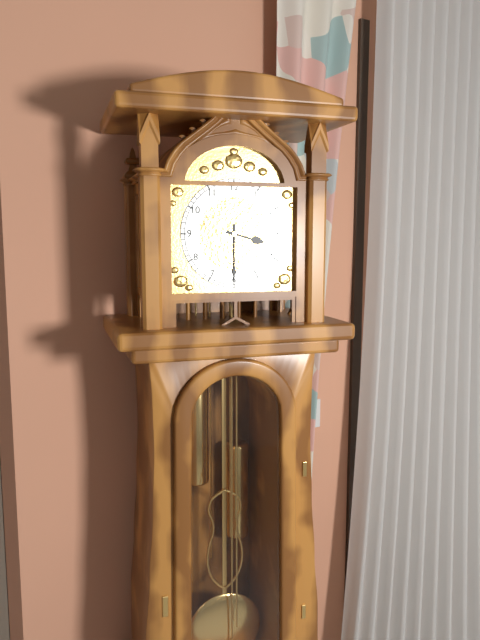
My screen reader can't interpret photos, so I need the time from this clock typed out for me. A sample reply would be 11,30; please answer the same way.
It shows 3,30
